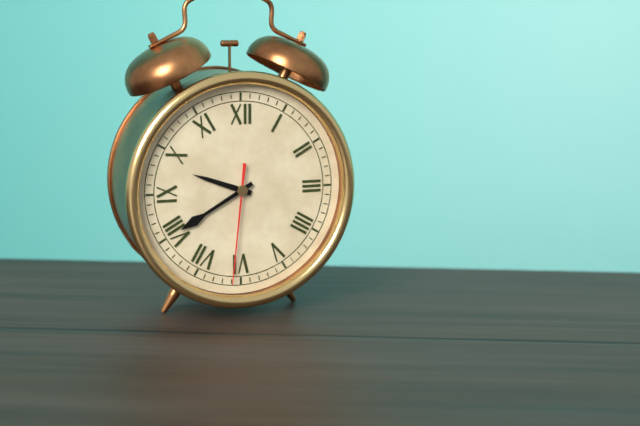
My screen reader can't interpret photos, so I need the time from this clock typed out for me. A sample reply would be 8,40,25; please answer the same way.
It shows 9,40,31
